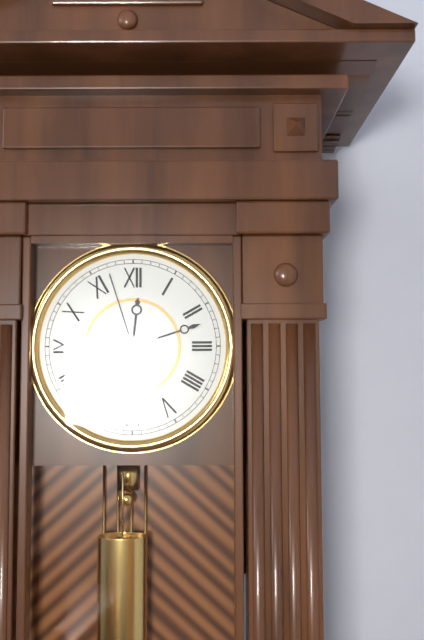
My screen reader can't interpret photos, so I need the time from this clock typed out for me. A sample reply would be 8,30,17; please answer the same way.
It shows 12,12,57
